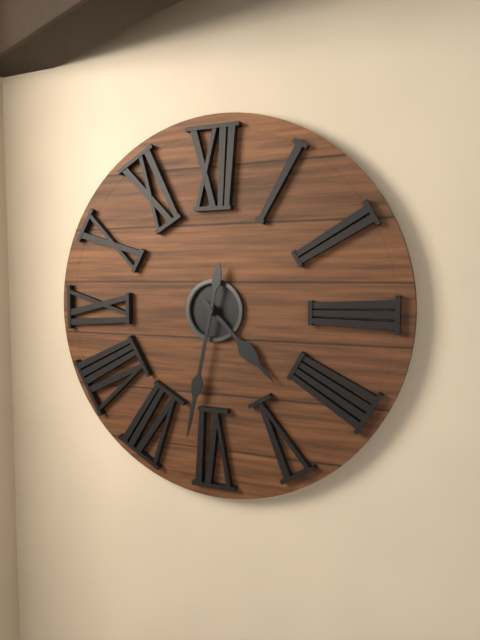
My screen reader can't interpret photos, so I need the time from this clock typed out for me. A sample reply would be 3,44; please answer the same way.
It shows 4,32
